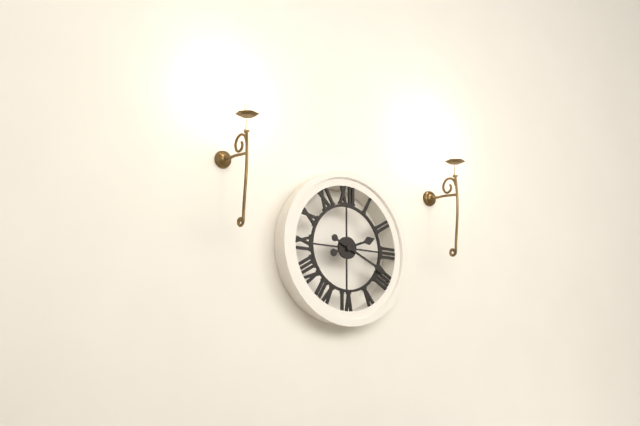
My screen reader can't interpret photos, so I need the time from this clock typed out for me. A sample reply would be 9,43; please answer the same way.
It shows 2,19
